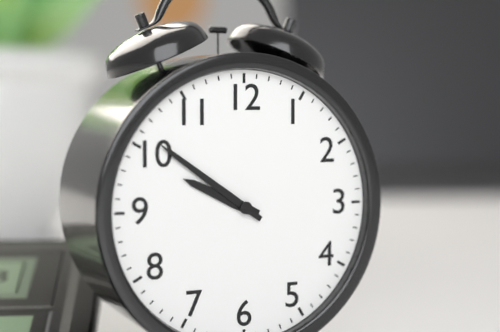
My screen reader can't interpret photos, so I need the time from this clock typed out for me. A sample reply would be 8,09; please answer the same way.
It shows 9,51
